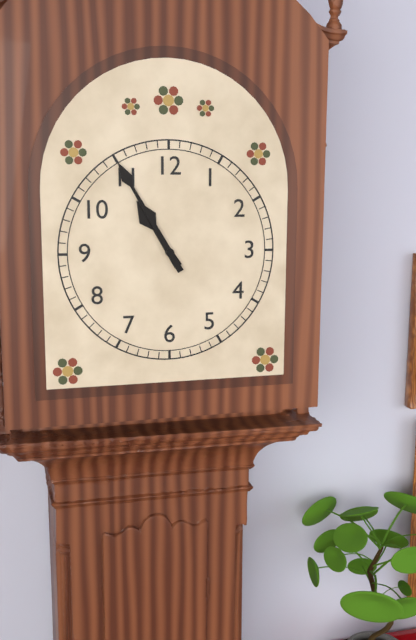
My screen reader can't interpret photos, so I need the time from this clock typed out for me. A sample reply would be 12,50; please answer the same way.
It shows 10,55
